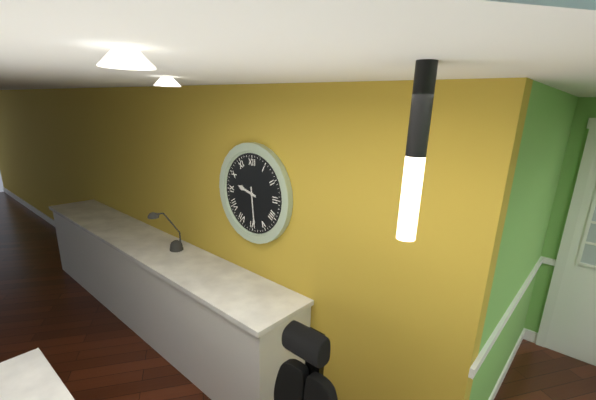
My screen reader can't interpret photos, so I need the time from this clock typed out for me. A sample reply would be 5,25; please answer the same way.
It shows 9,29
